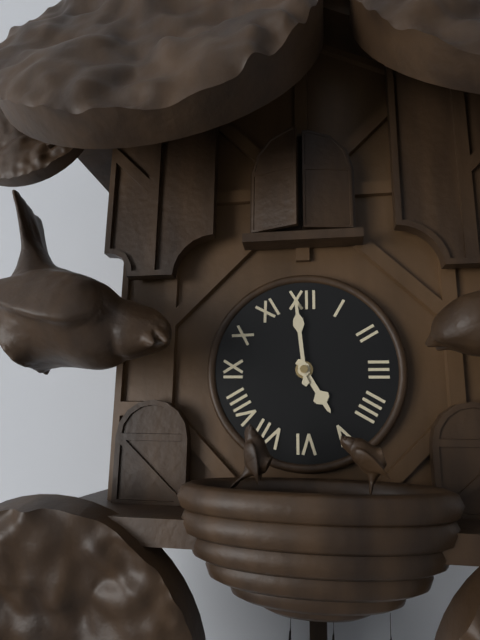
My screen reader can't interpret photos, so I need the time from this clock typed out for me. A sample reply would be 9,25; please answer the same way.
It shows 4,59
